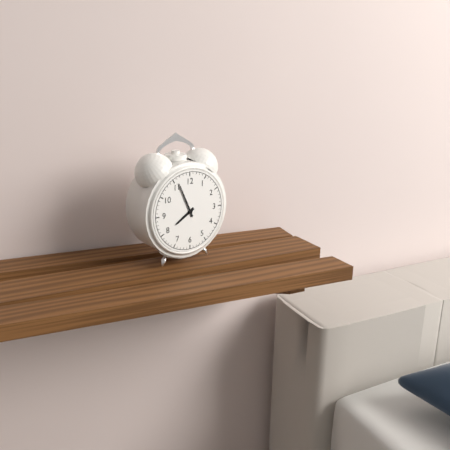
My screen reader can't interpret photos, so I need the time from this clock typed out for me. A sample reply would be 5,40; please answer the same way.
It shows 7,56
